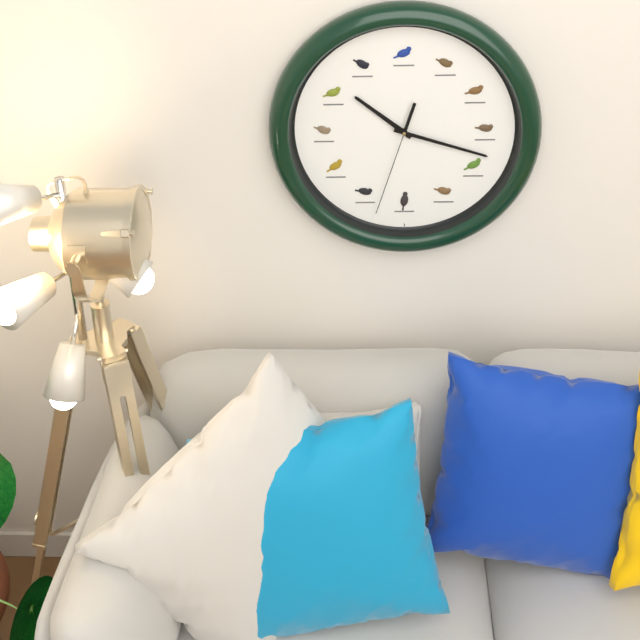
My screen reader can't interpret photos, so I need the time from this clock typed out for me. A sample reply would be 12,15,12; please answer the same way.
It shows 10,18,33
